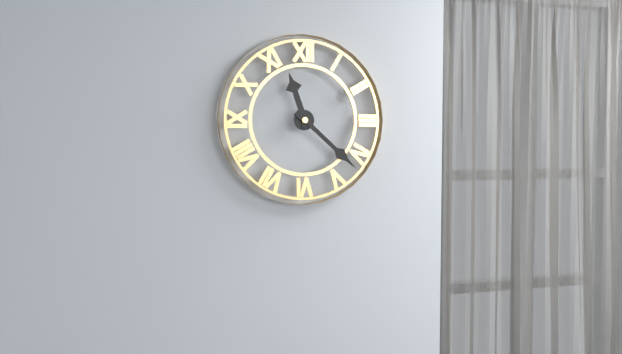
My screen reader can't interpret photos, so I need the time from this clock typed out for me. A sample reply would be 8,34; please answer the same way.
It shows 11,22
